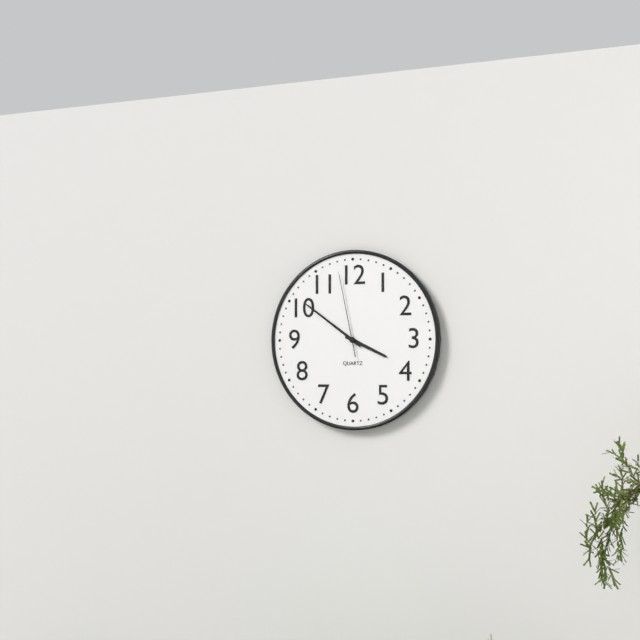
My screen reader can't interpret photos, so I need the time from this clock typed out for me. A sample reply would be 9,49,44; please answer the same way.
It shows 3,51,58
